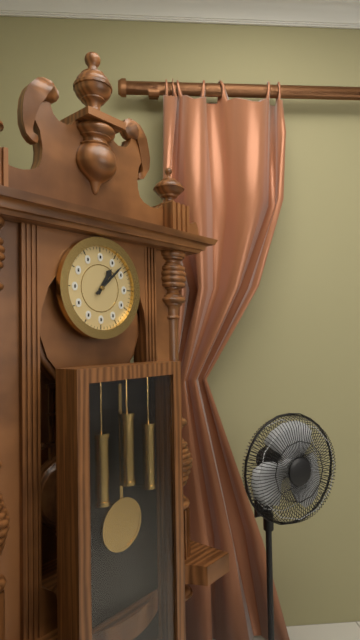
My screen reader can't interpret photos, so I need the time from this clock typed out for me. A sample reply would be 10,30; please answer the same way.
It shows 1,08
